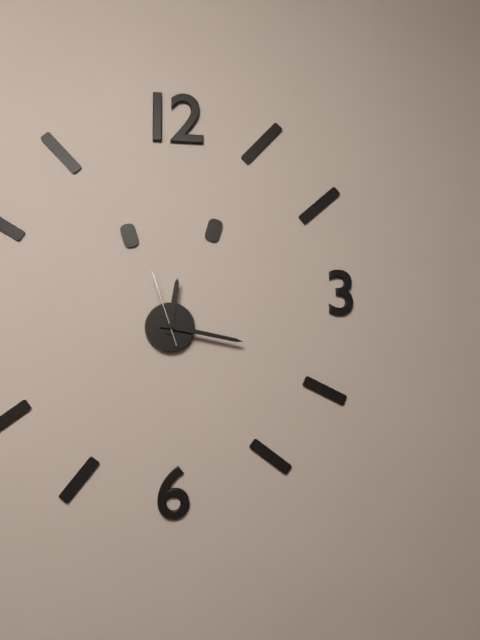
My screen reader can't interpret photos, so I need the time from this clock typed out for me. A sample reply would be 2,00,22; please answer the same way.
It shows 12,17,57
